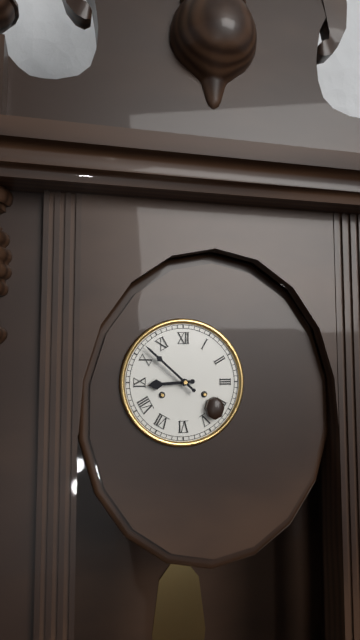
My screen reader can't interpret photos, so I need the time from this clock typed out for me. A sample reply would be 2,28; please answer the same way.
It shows 8,52
